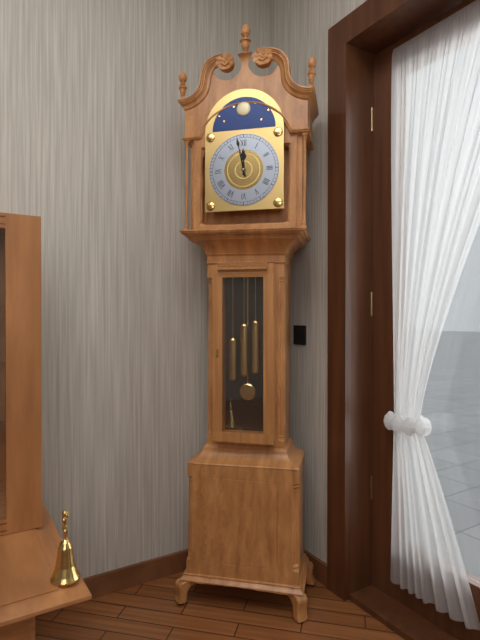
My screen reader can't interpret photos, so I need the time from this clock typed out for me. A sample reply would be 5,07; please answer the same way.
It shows 11,58
